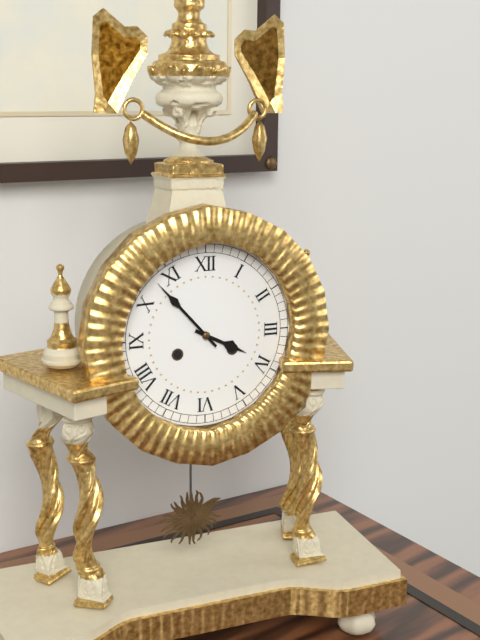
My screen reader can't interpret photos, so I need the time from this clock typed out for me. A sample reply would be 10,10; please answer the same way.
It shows 3,53
